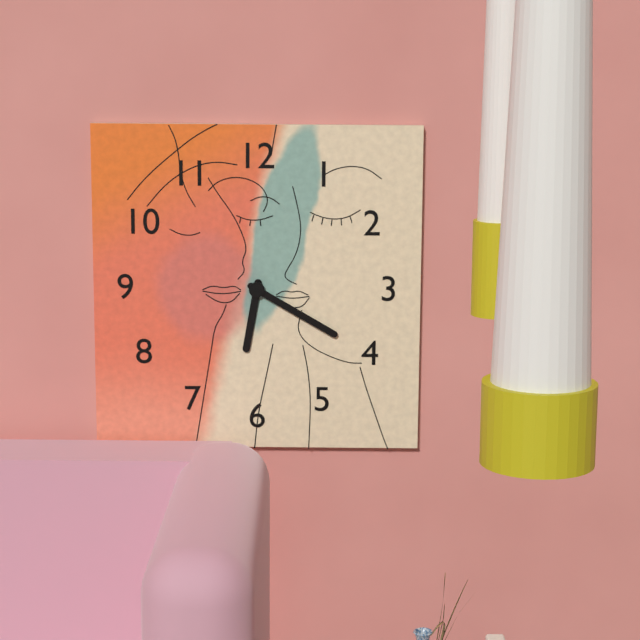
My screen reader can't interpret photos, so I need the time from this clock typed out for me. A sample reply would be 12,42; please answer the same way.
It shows 6,20
